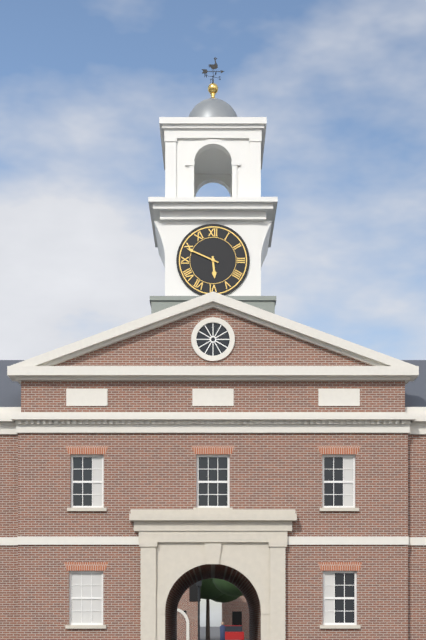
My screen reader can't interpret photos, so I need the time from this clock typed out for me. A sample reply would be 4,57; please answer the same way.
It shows 5,49
